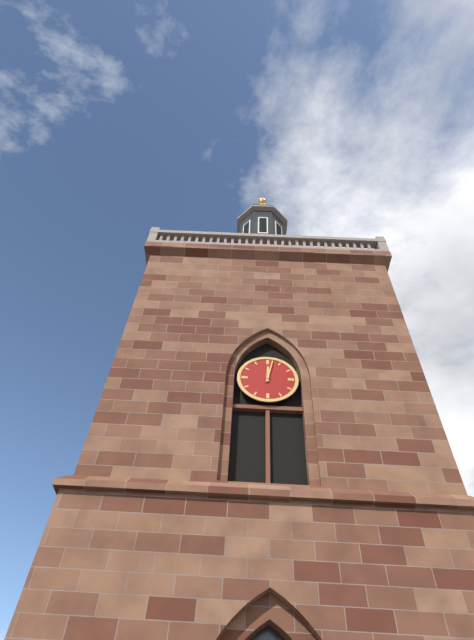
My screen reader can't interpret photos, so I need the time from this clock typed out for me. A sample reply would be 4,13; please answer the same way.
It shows 12,02
